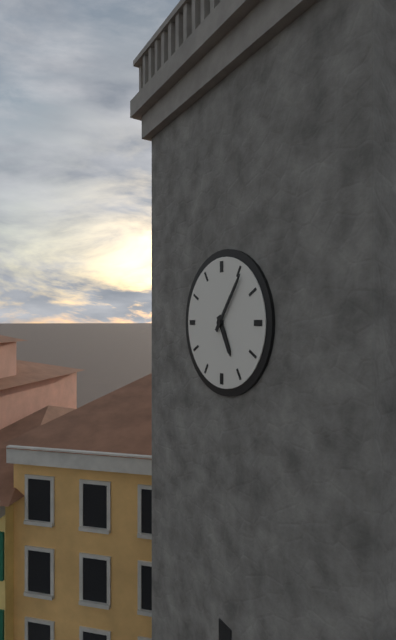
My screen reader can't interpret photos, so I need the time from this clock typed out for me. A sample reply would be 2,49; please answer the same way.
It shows 5,06
